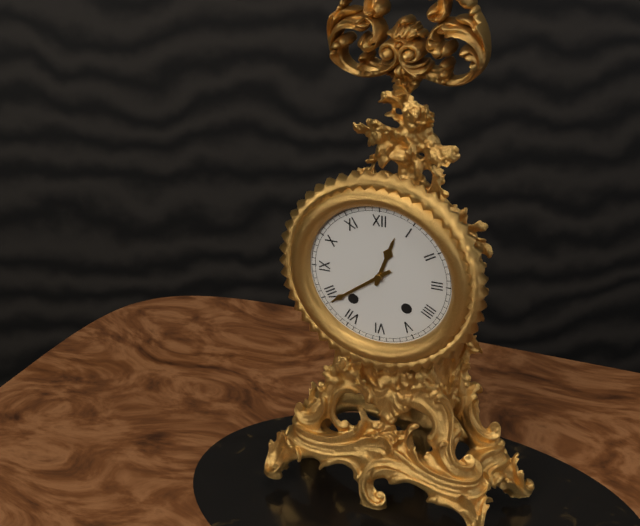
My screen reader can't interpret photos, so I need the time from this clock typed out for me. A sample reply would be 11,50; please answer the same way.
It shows 12,39
